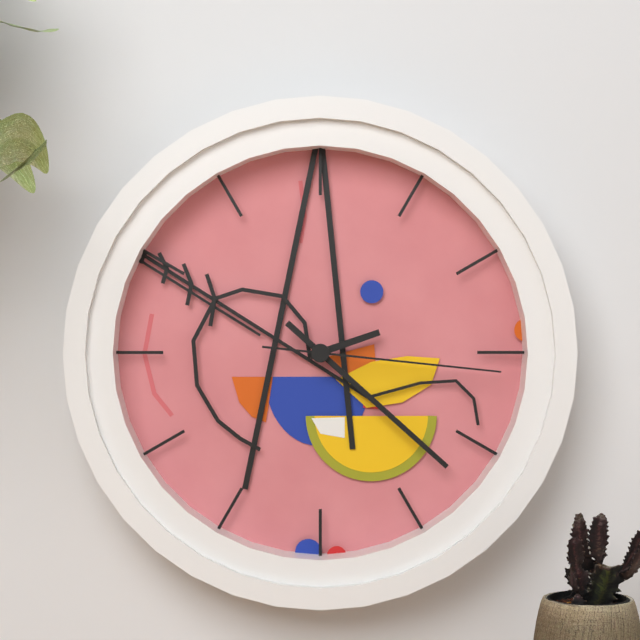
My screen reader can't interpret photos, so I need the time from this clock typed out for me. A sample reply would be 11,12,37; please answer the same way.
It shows 2,22,16
